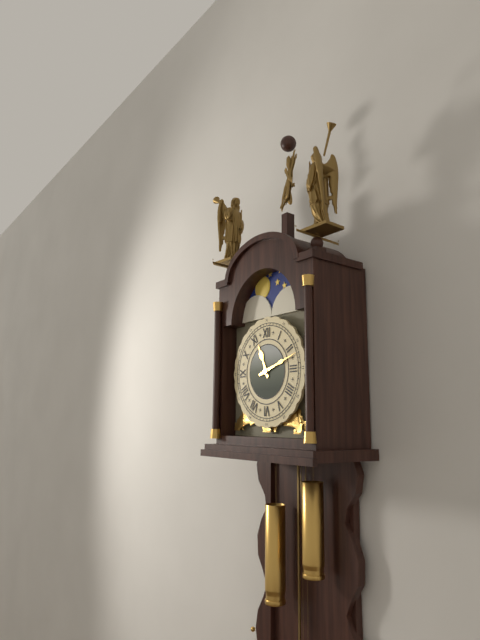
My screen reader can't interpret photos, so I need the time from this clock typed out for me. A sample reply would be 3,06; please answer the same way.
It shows 11,12
